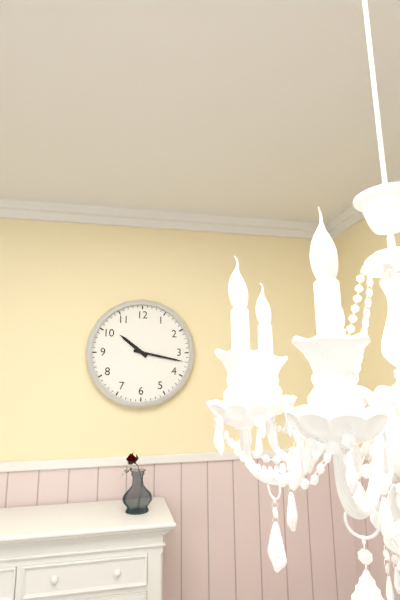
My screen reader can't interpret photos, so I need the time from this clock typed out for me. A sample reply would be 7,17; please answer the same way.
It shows 10,17
